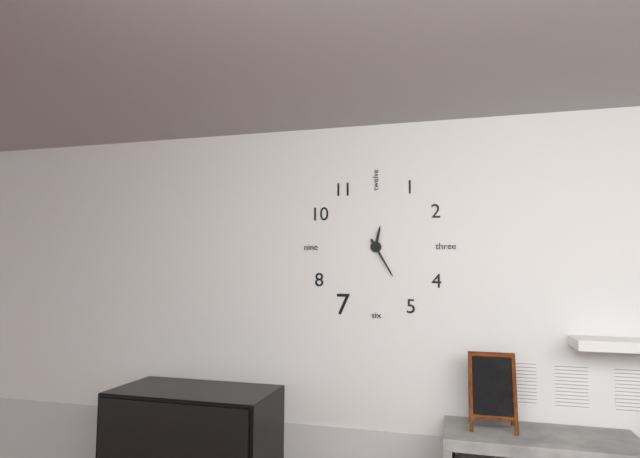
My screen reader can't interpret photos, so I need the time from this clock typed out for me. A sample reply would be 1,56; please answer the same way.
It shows 12,25
